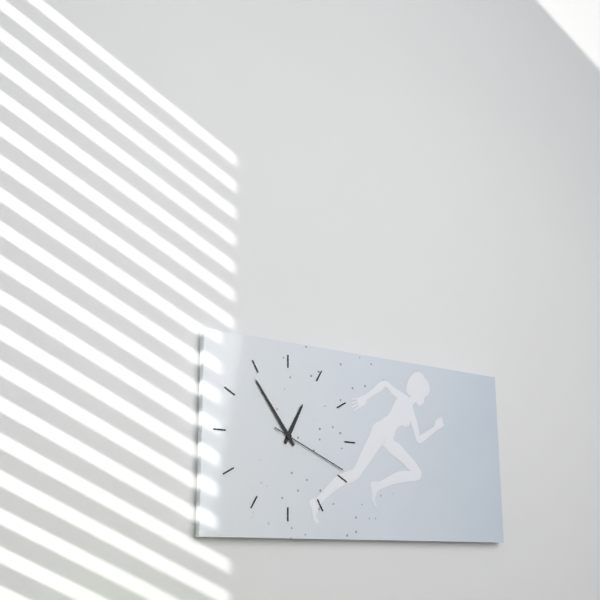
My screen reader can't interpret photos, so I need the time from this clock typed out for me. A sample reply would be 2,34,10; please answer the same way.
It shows 12,54,19
